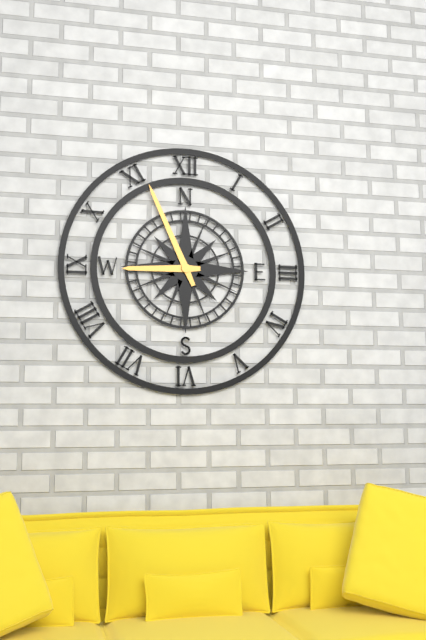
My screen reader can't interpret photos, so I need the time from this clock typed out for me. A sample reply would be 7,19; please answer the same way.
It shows 8,56
